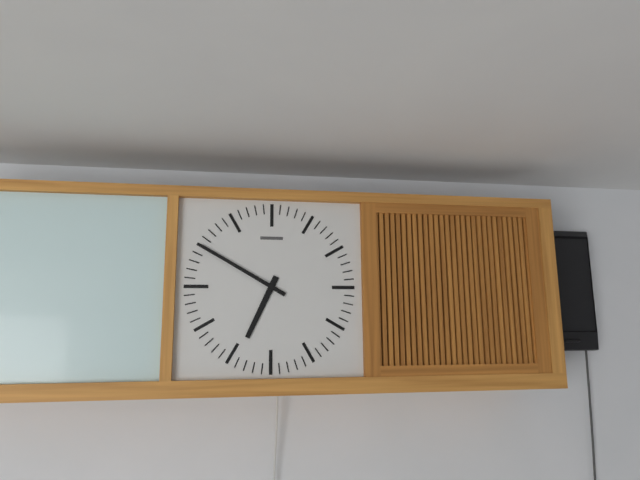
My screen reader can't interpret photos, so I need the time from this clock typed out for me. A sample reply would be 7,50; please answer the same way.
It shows 6,50
